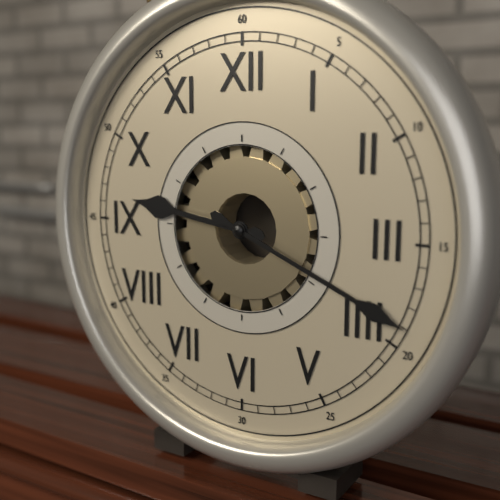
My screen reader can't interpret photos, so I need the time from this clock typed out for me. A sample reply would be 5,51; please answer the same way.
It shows 9,19
